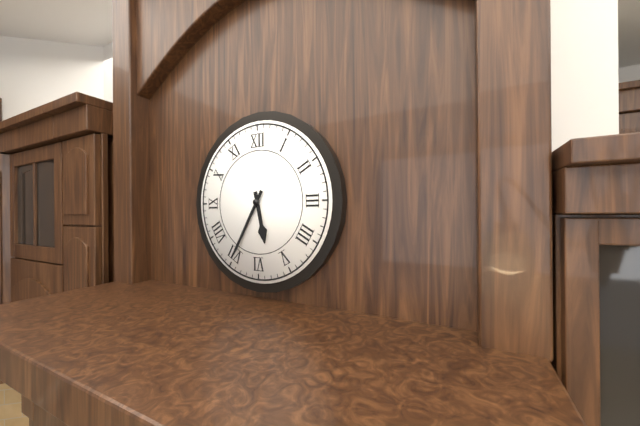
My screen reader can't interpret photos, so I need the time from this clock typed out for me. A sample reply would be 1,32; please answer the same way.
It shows 5,35
